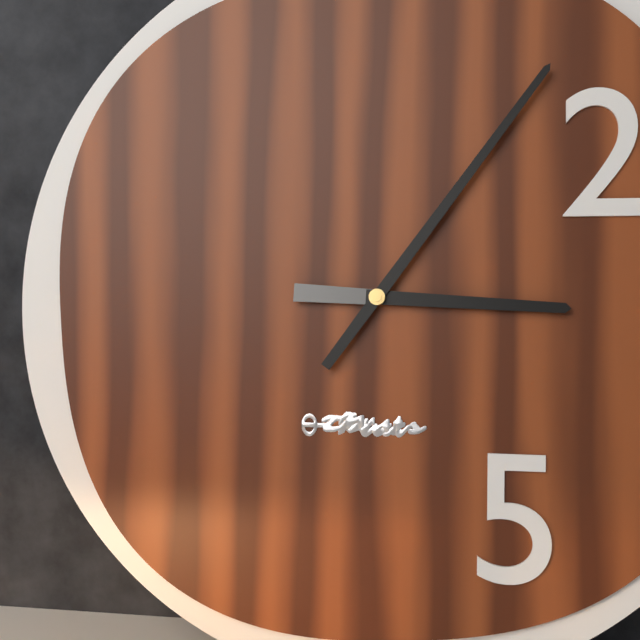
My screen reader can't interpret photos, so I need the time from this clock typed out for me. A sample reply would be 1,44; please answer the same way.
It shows 3,06
